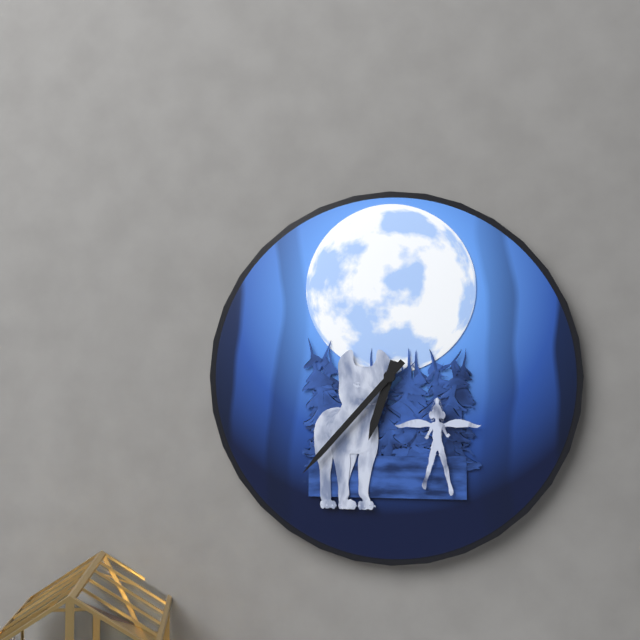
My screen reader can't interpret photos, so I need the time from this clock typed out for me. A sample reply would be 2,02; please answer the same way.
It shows 6,37
